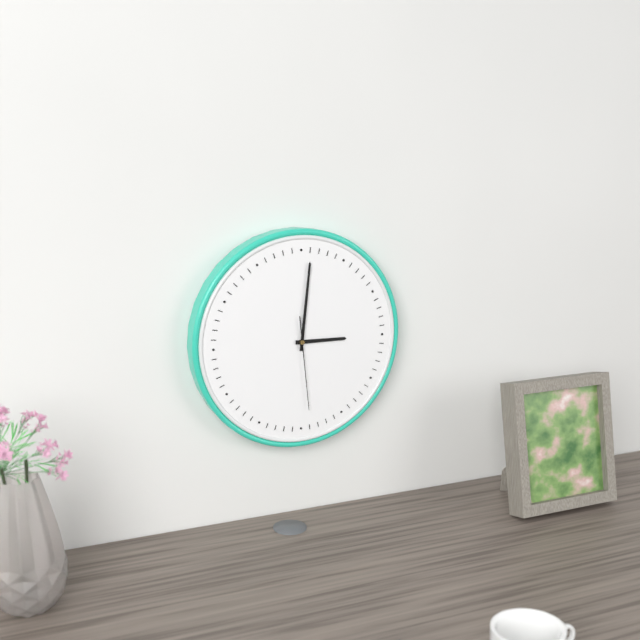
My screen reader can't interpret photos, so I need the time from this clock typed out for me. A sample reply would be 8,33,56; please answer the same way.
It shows 3,01,29
